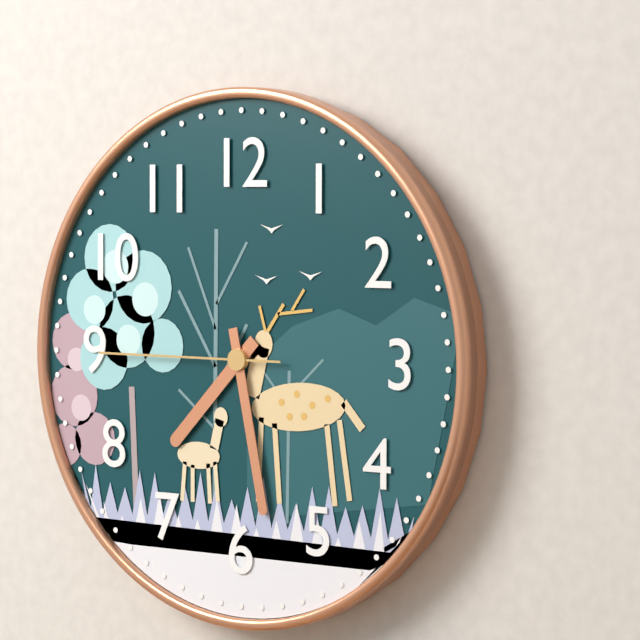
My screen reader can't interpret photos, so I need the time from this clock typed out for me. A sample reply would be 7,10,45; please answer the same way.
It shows 7,28,45
